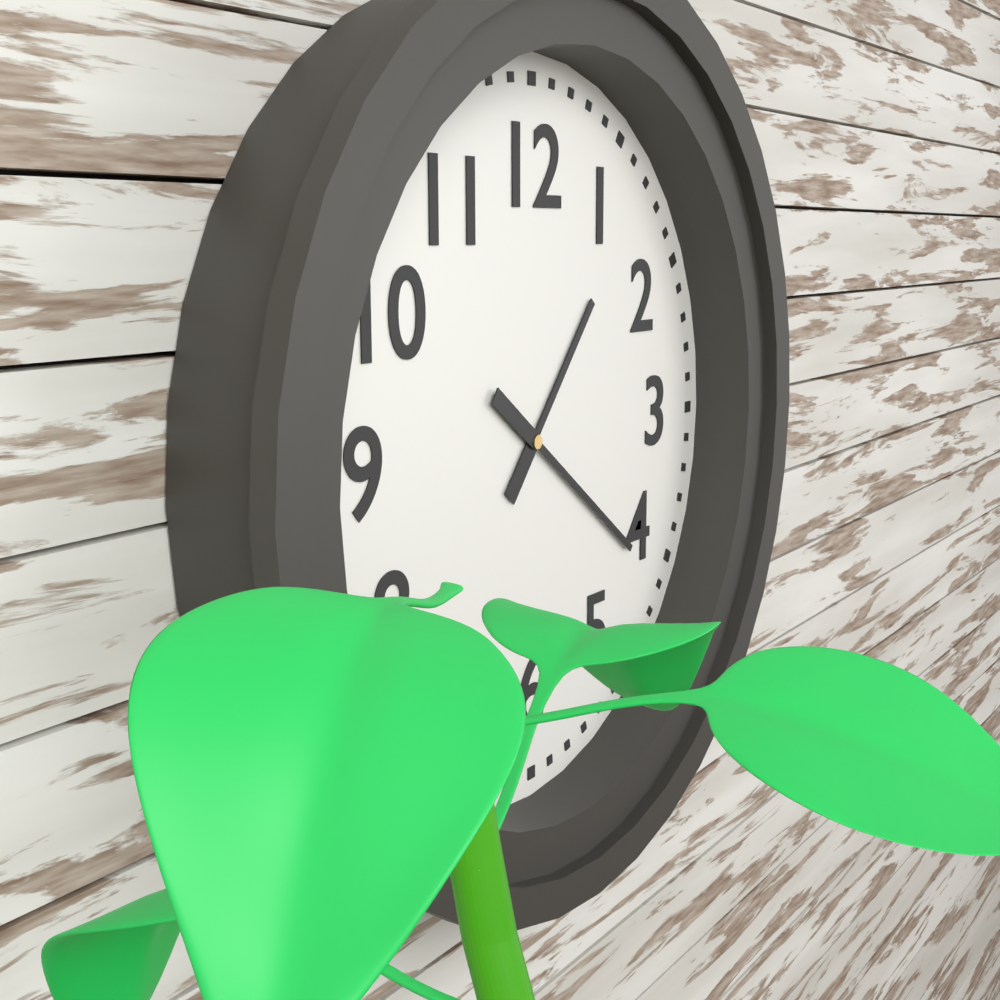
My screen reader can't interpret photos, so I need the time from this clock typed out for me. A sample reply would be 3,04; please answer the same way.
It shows 1,21
